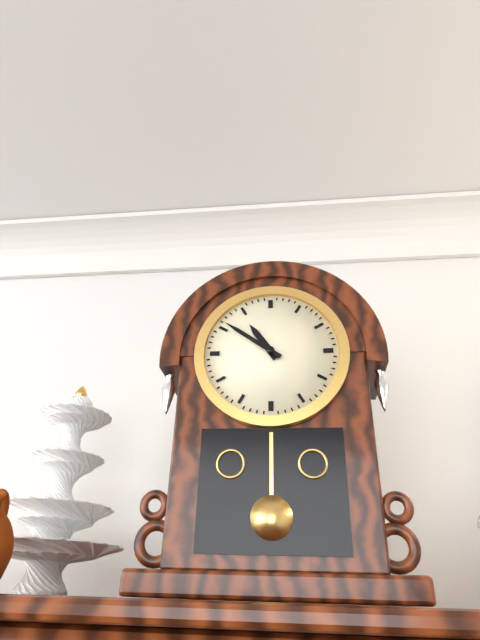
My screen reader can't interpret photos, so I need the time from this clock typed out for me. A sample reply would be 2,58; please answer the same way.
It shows 10,51
